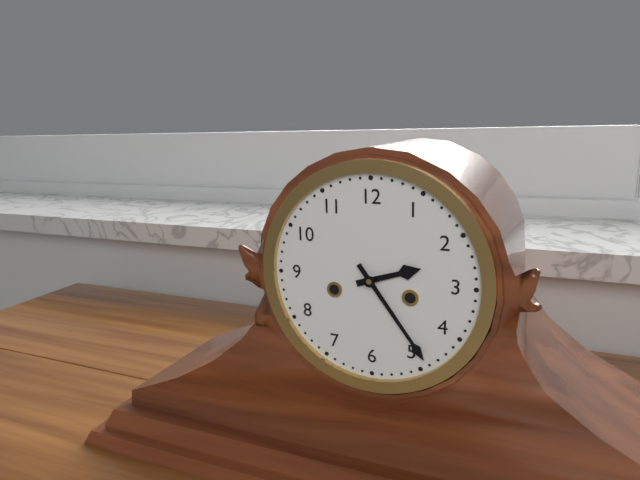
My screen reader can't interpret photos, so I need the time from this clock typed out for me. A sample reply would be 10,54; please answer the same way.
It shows 2,24
